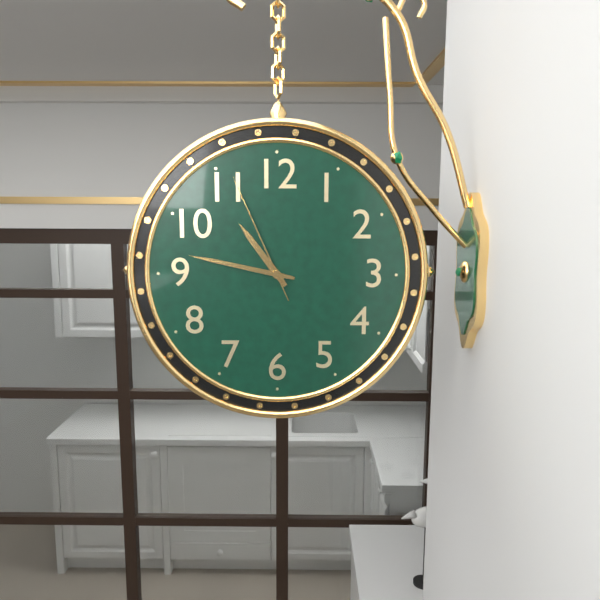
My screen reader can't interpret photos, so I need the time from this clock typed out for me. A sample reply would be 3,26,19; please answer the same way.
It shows 10,47,56
